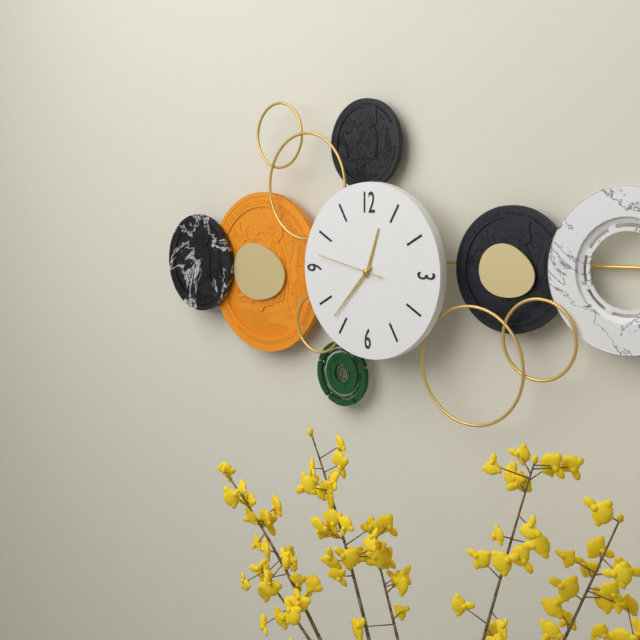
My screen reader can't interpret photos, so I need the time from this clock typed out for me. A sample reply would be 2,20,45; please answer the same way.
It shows 12,37,47
